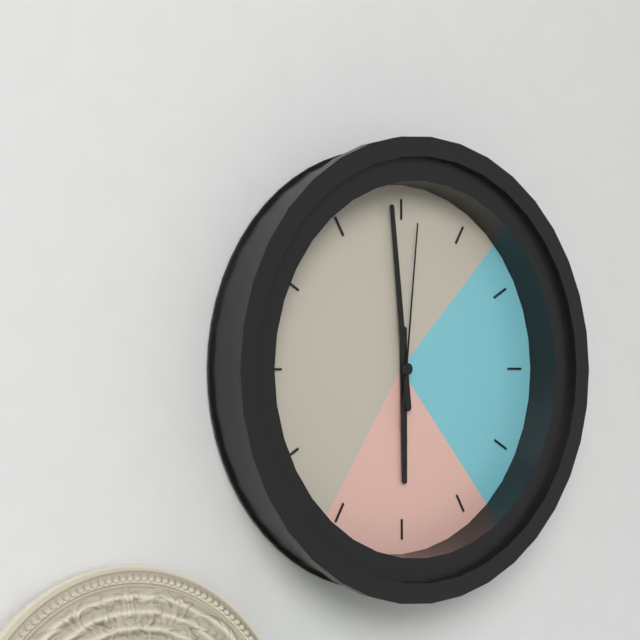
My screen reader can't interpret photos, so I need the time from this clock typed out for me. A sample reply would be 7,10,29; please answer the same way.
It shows 5,59,01
